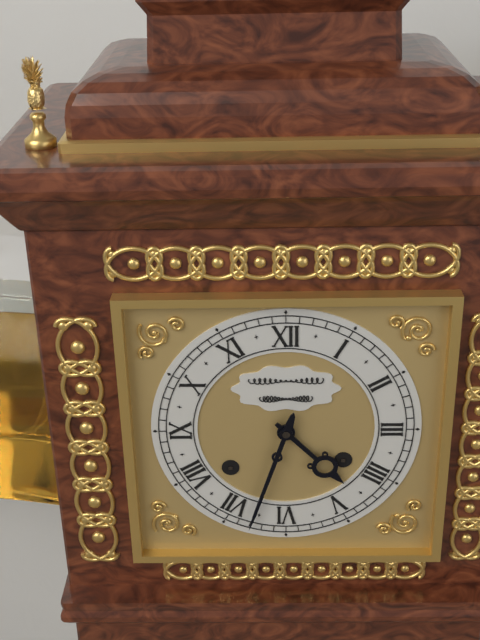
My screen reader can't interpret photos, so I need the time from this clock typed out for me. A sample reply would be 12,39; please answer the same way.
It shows 4,33
